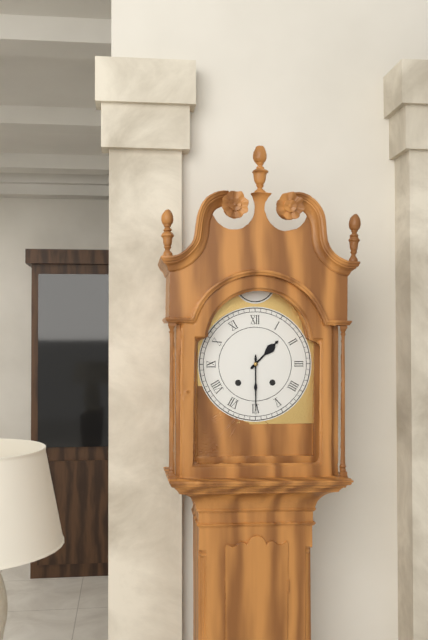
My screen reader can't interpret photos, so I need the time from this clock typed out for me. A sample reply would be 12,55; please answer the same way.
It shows 1,30
